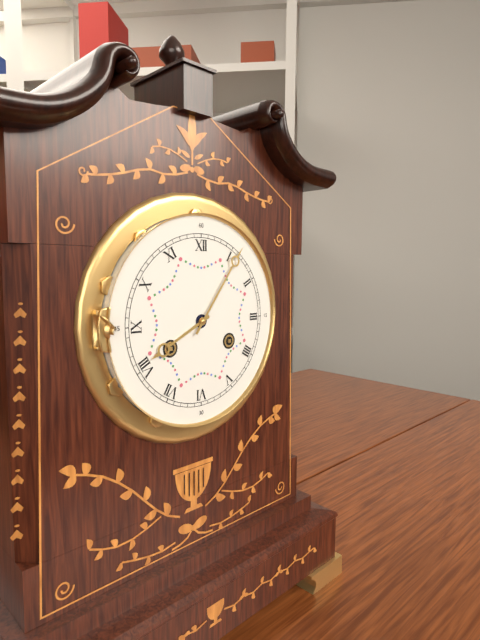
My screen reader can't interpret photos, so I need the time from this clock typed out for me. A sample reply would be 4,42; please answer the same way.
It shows 8,06
